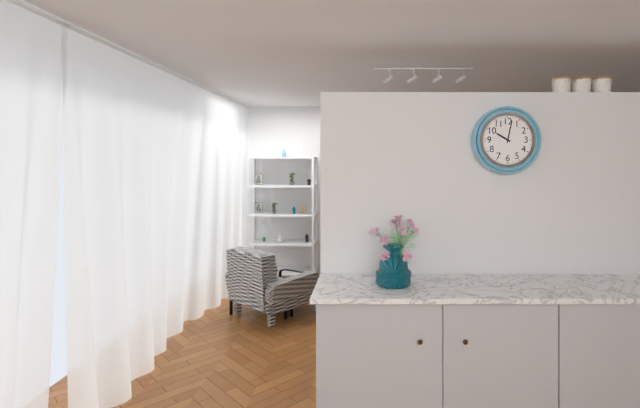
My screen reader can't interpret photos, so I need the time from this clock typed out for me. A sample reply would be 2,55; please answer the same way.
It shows 10,02
